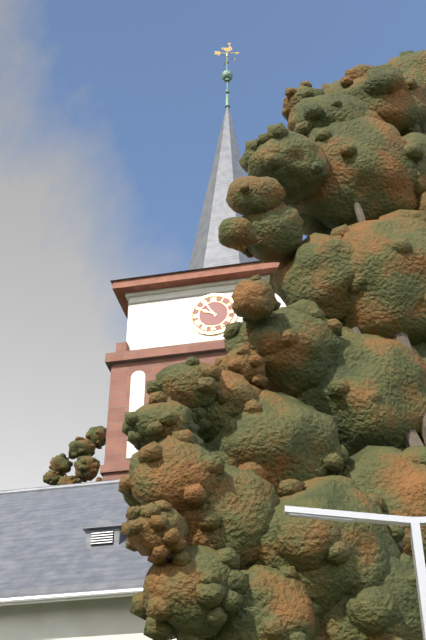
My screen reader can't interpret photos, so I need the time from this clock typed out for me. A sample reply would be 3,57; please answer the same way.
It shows 9,55
